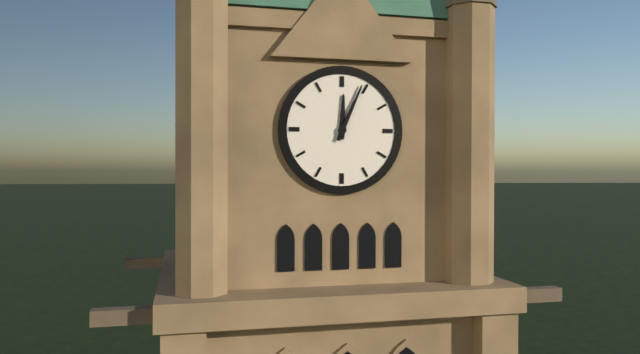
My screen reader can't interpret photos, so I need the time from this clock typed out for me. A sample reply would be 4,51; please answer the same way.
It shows 12,04
